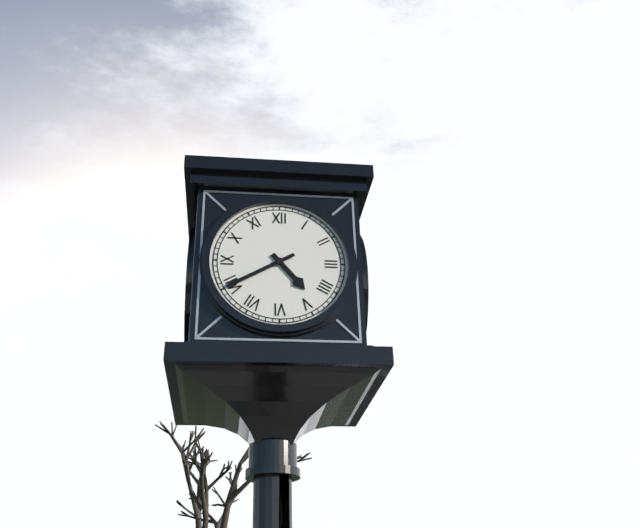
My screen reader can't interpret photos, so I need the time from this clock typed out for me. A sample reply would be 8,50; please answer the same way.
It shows 4,40
